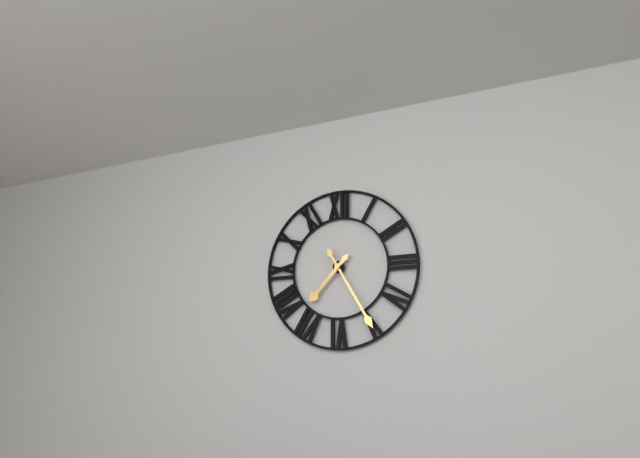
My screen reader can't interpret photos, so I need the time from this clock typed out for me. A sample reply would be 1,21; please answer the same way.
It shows 7,25
